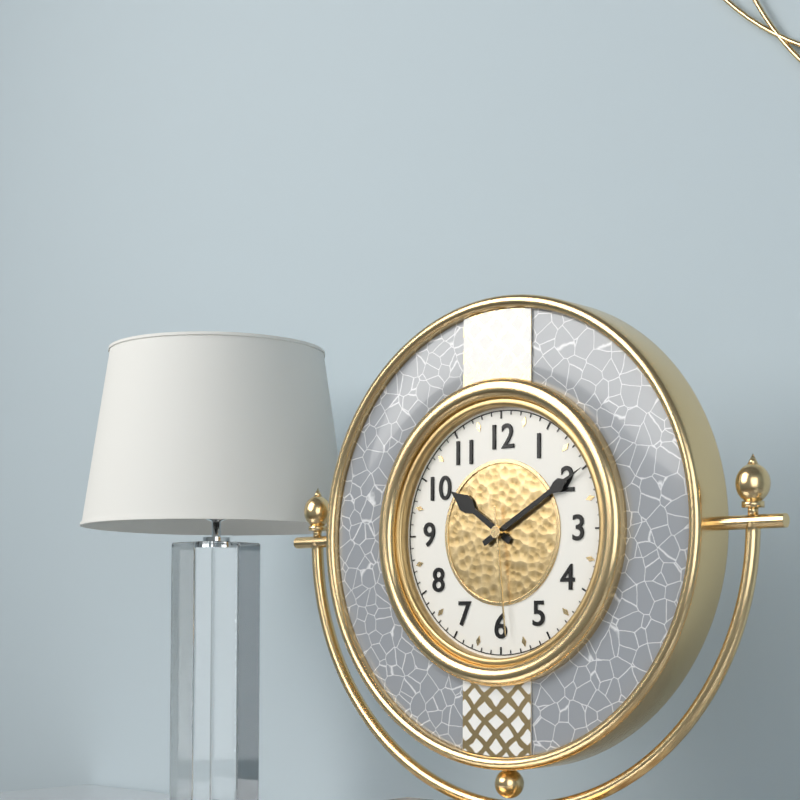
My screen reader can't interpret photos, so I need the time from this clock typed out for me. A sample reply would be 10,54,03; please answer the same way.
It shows 10,10,29
